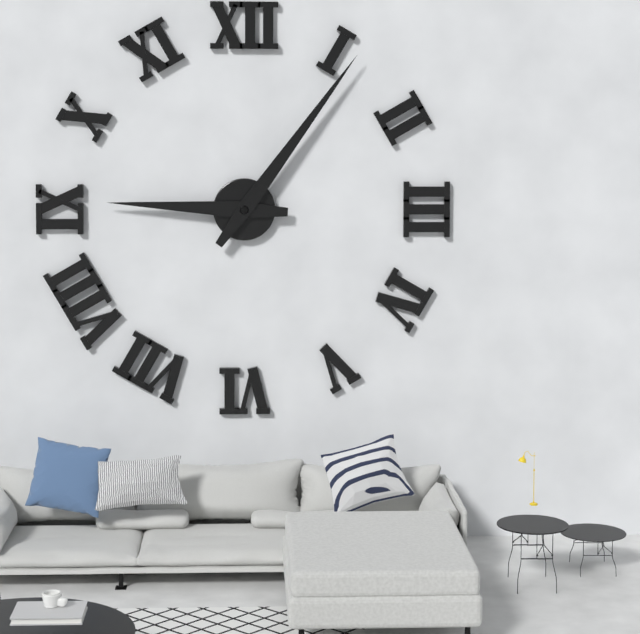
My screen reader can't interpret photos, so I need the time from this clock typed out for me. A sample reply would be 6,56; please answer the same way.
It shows 9,06
